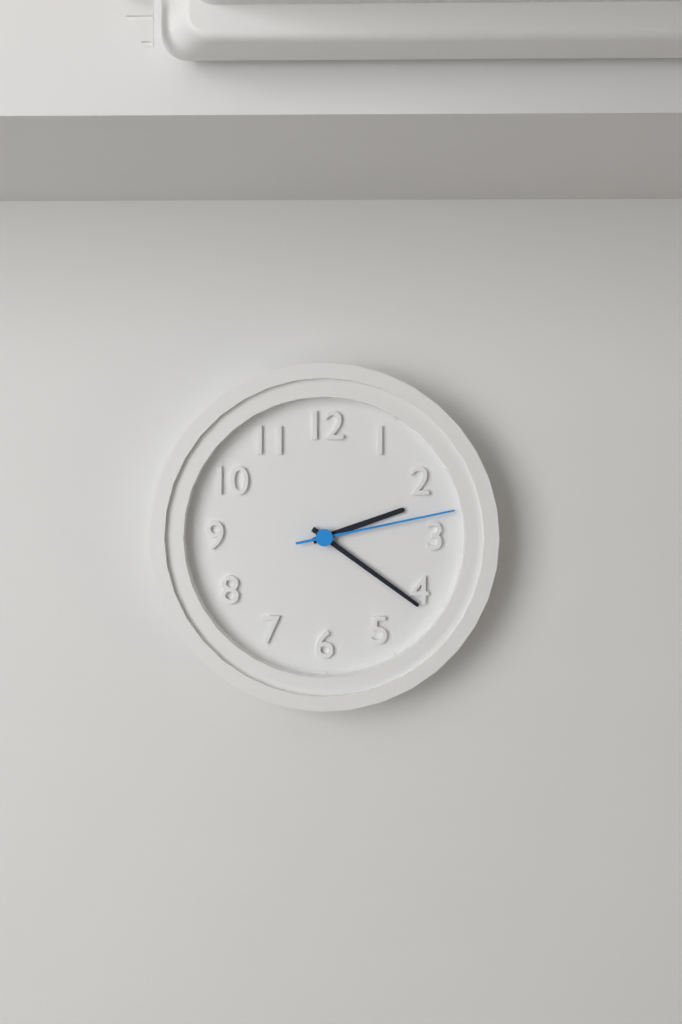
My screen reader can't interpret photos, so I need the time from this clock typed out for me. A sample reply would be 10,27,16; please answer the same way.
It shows 2,21,13
